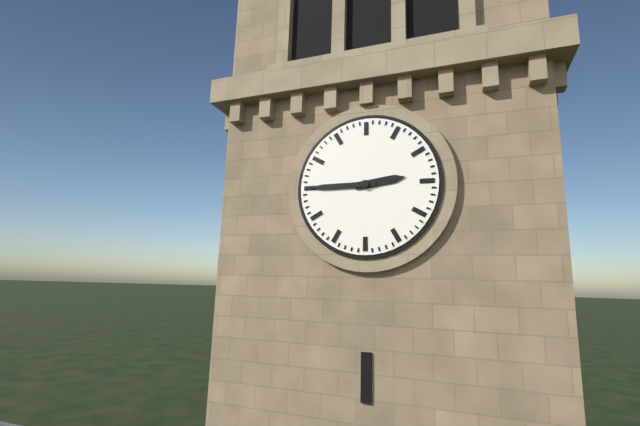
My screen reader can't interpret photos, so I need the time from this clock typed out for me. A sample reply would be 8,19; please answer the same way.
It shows 2,45
